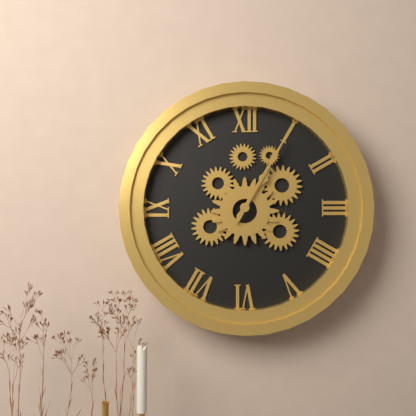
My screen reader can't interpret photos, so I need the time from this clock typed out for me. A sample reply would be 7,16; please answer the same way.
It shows 1,05
